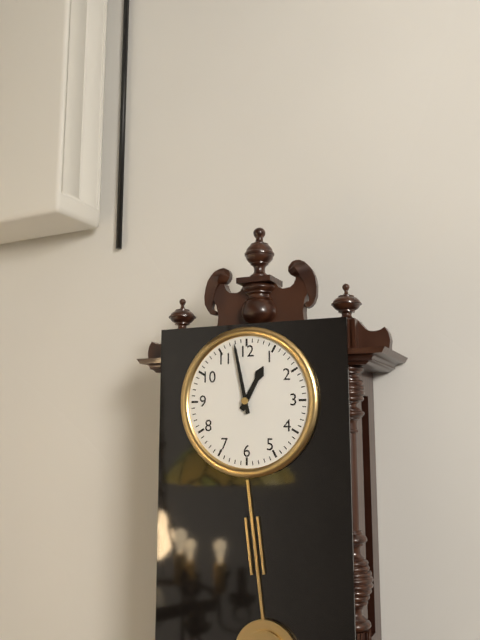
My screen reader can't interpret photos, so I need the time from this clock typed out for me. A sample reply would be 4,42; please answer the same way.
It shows 12,58
